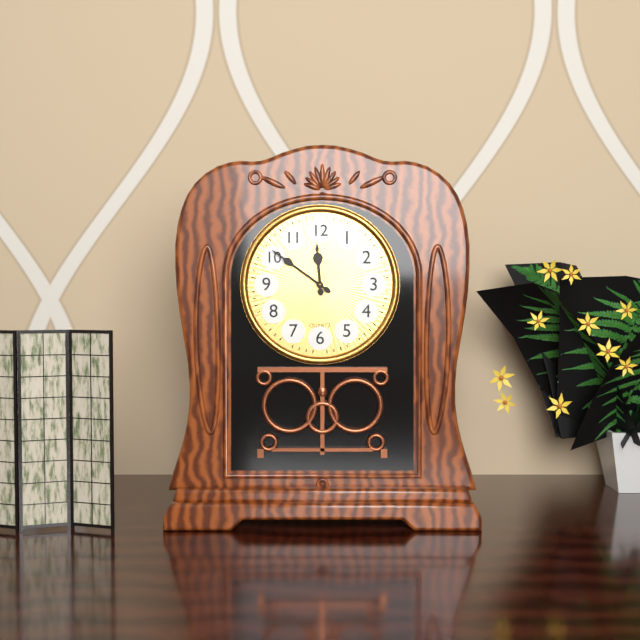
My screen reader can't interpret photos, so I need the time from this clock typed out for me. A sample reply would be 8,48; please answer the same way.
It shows 11,51
